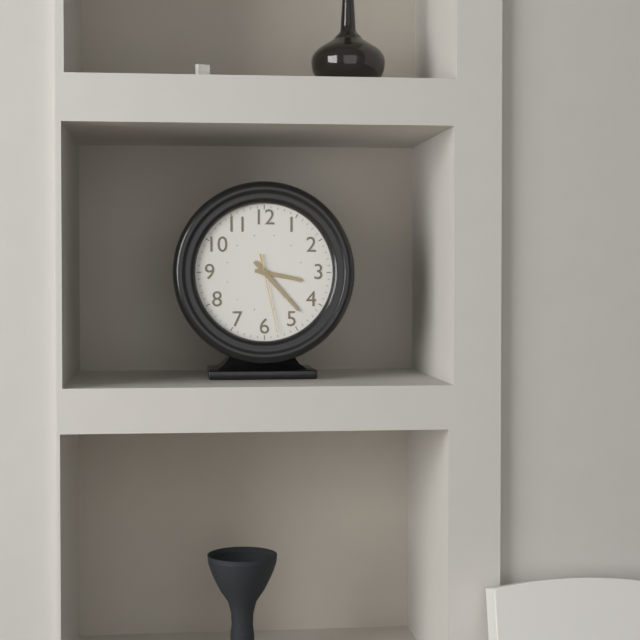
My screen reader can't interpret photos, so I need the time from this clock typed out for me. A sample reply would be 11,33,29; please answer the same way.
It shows 3,23,28
